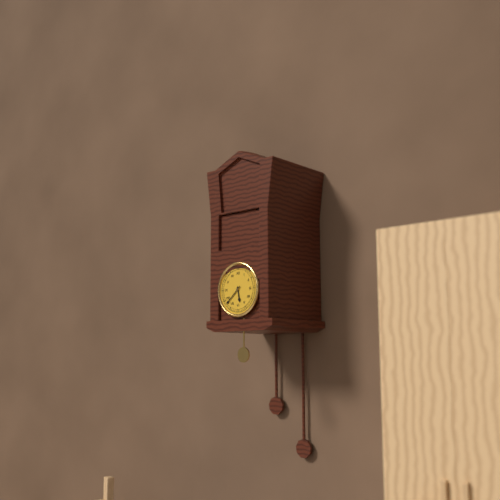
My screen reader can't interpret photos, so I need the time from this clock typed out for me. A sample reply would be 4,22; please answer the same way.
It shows 5,38
